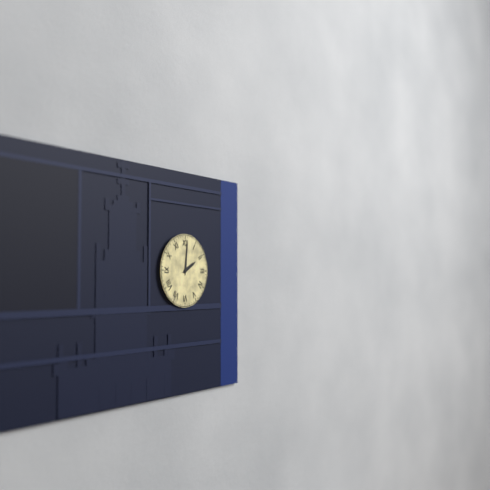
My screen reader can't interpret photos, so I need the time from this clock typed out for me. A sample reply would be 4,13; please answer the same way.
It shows 2,01
